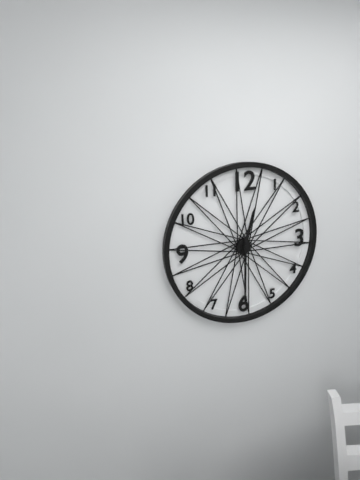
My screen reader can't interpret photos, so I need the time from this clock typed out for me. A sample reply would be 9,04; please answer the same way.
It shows 12,30
